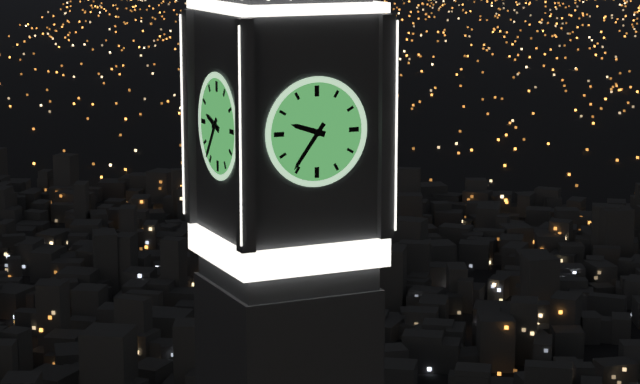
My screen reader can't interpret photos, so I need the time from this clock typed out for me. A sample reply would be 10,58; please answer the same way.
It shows 9,36
